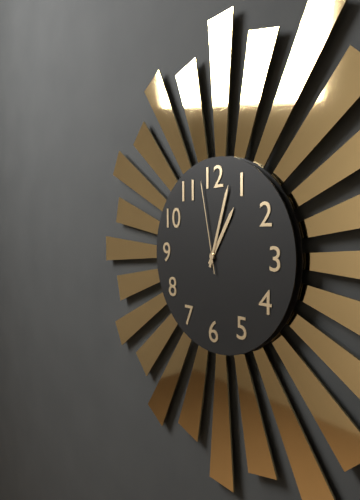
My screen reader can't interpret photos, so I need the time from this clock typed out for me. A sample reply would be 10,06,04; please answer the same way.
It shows 1,03,58
